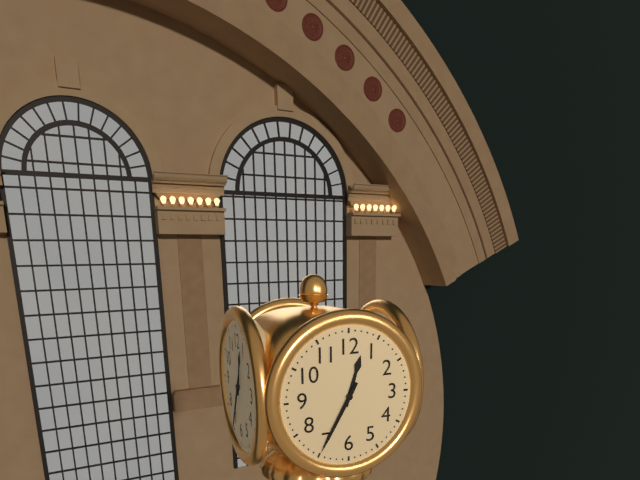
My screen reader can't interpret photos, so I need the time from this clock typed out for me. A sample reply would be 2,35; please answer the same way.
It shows 12,35
